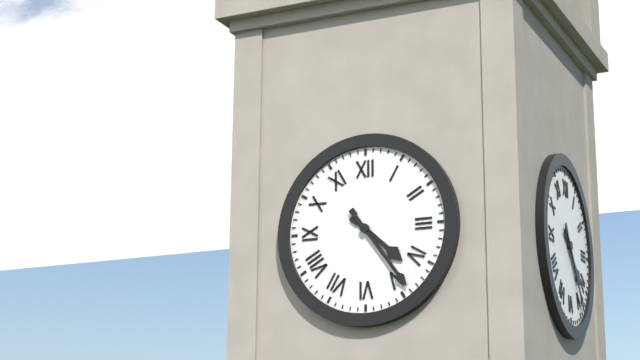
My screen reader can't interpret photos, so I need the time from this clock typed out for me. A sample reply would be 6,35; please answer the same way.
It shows 4,24
